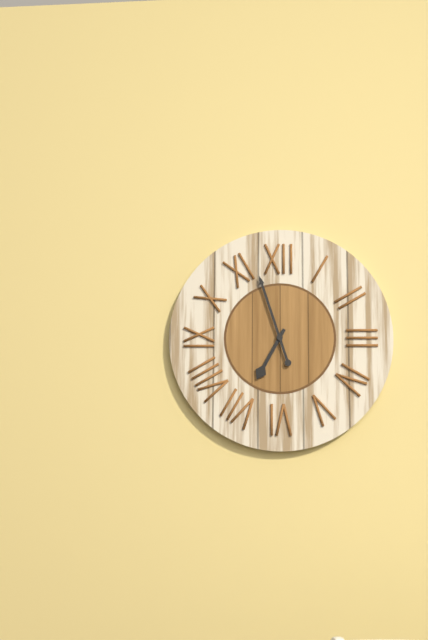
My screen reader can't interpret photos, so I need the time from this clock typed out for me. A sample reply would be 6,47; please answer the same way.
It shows 6,57
